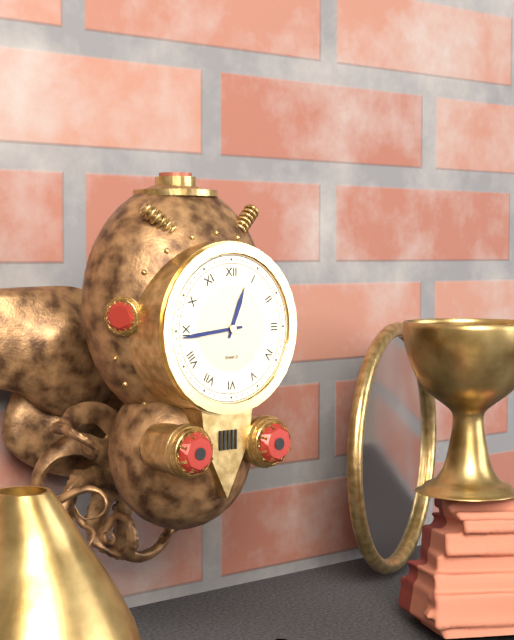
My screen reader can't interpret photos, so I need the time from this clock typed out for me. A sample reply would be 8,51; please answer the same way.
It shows 12,44
